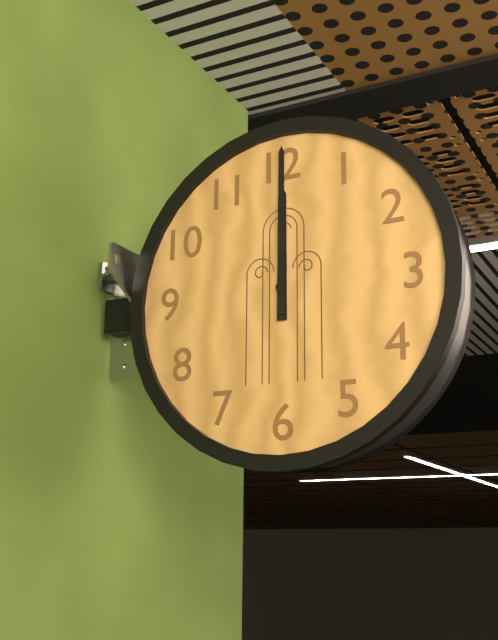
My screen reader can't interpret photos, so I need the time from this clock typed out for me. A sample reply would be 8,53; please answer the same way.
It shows 12,00
